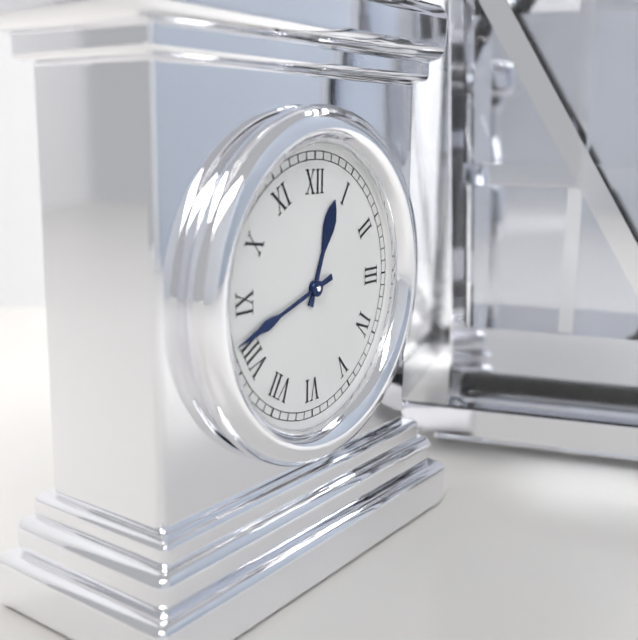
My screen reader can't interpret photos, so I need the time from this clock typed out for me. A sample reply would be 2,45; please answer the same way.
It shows 12,42
